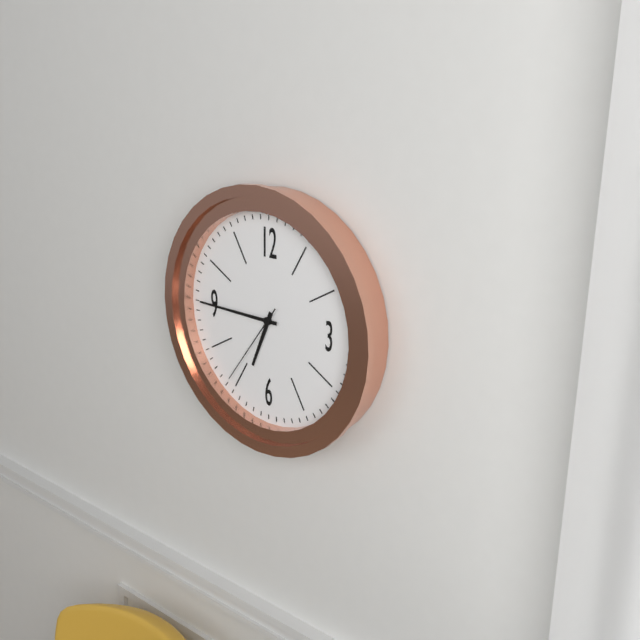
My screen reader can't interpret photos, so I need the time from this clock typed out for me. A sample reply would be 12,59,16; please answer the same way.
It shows 6,45,36
